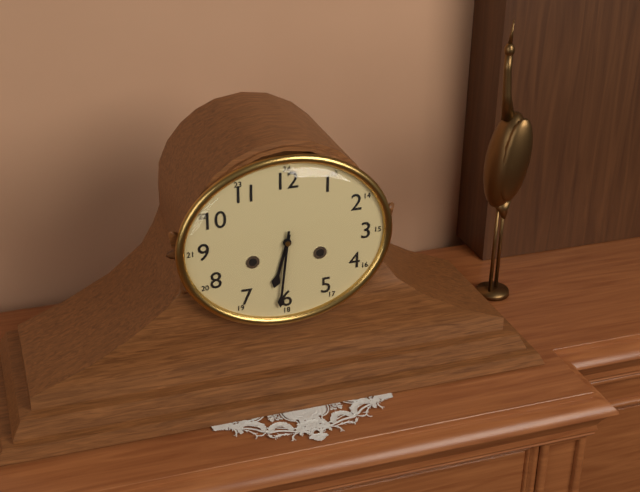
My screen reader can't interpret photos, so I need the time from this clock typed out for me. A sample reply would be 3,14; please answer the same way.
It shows 6,31
